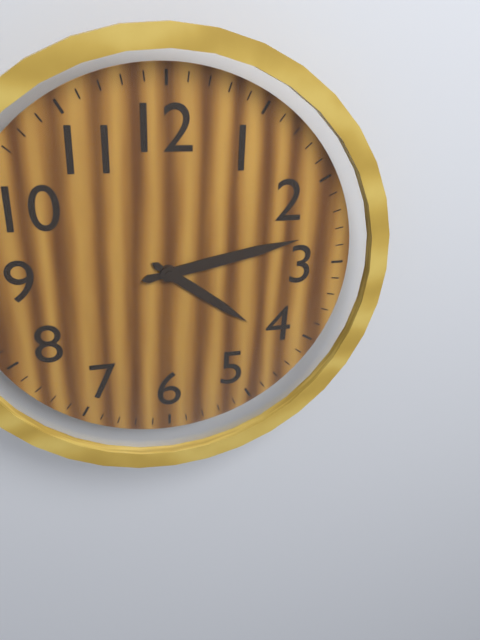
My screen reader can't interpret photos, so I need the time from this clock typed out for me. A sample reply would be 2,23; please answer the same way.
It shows 4,13
